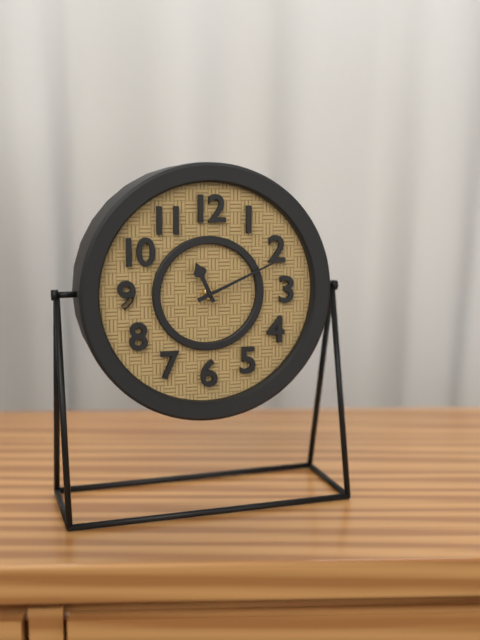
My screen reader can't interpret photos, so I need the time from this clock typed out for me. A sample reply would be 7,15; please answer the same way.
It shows 11,11
